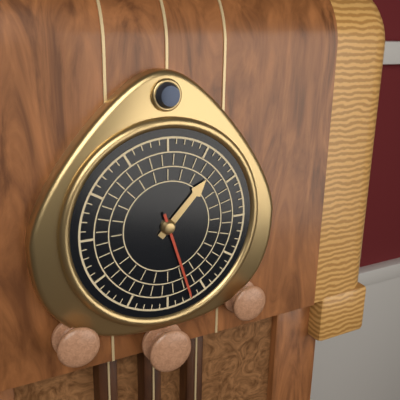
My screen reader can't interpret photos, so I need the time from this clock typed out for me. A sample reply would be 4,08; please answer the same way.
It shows 1,27
